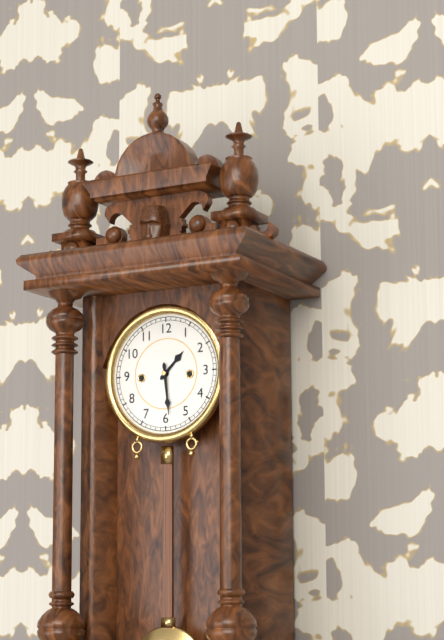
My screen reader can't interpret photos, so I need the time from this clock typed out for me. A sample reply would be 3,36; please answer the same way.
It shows 1,29
